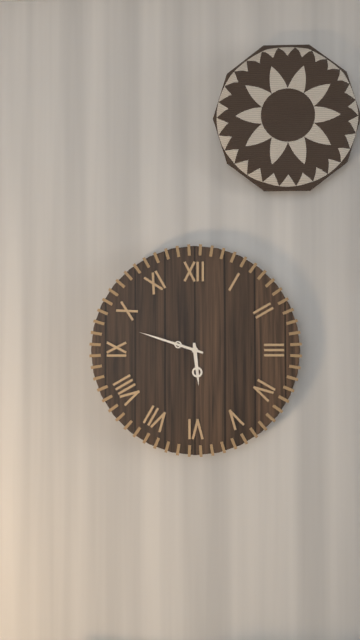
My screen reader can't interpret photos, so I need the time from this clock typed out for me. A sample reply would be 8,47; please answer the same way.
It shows 5,48
